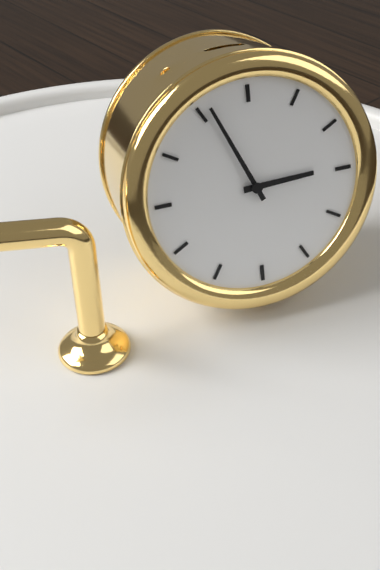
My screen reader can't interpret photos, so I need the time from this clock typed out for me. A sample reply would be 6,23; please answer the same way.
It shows 2,56
